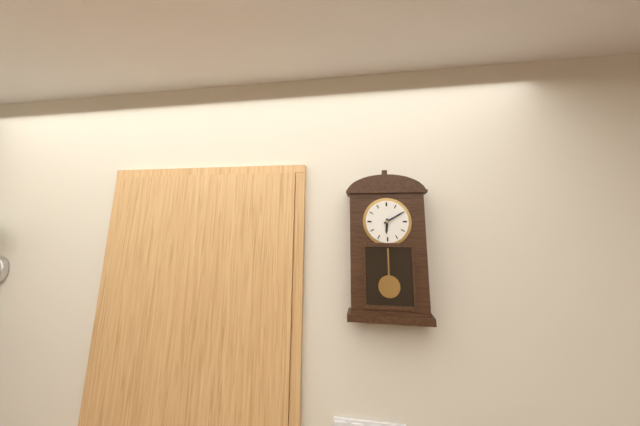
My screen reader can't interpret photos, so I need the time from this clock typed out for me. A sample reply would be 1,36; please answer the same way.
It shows 6,10
